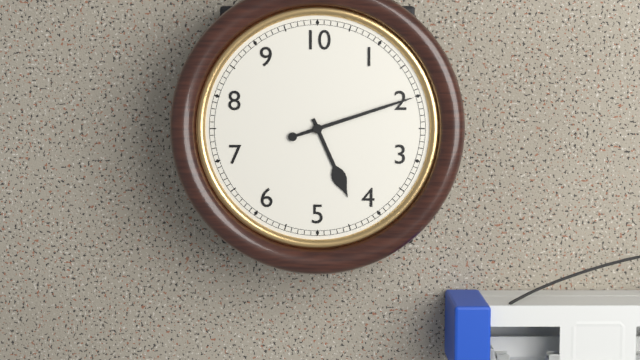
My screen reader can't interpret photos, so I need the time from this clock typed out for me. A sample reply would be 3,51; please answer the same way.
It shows 5,12
